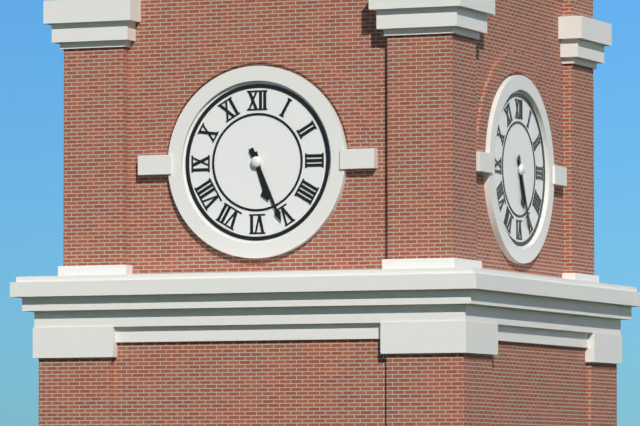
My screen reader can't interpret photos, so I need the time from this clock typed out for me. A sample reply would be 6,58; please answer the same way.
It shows 5,26
